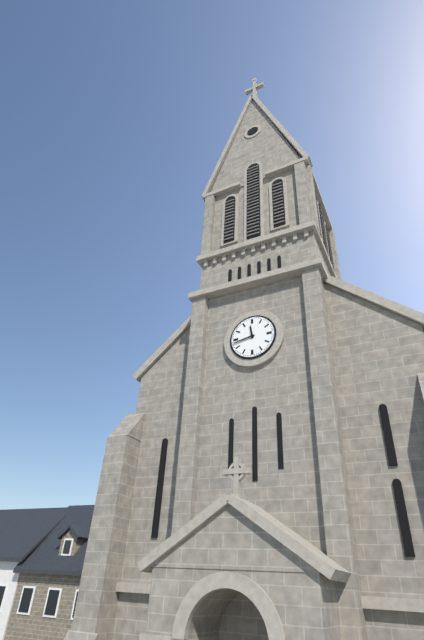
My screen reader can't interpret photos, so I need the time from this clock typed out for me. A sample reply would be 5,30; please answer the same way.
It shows 11,43
